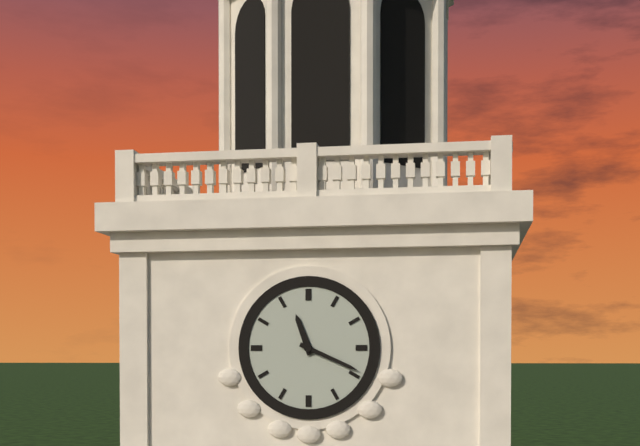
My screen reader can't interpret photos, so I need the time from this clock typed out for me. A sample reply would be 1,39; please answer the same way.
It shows 11,19
